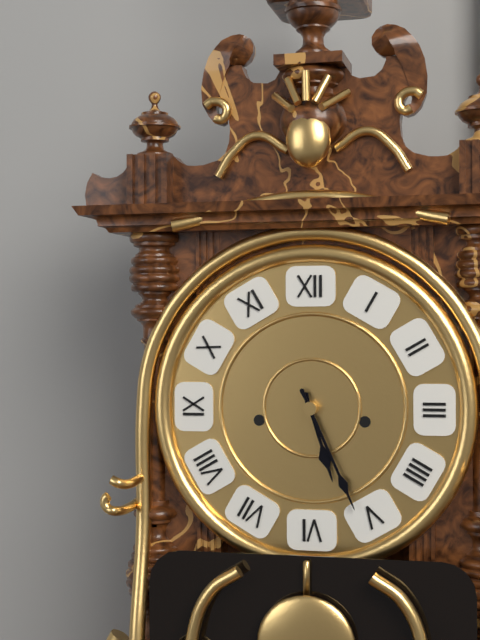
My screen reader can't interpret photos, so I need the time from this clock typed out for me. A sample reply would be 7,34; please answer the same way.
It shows 5,26
